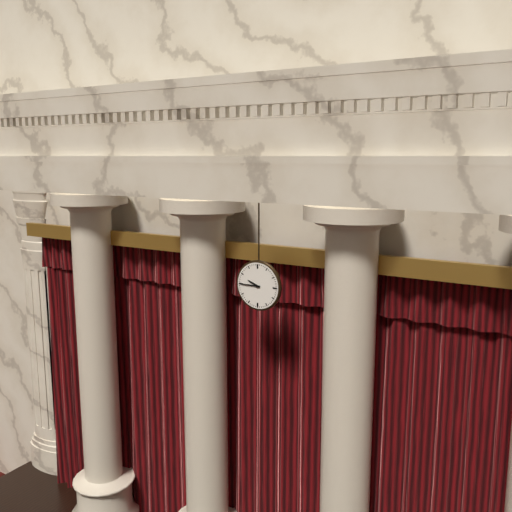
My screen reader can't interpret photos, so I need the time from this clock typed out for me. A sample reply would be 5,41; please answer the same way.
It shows 9,45
